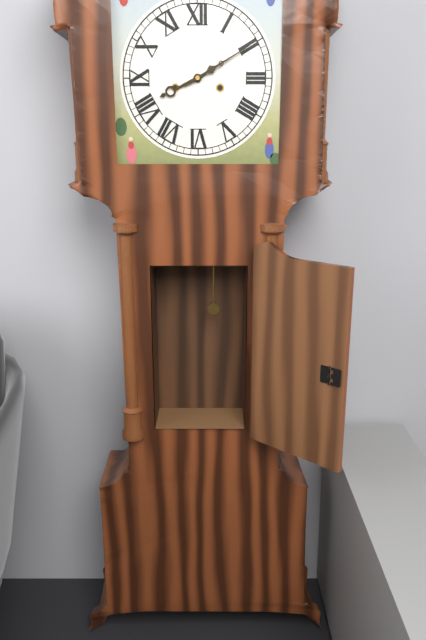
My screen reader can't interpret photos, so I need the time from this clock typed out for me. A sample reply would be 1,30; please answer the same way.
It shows 8,10
